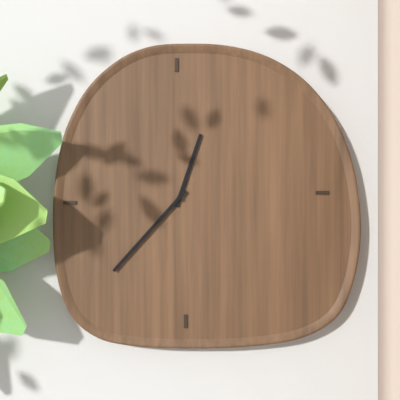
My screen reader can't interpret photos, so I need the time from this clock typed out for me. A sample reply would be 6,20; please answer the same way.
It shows 12,37
